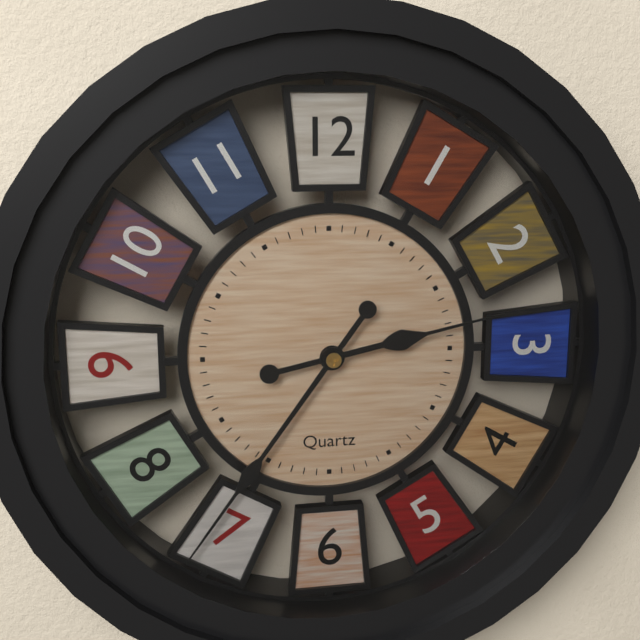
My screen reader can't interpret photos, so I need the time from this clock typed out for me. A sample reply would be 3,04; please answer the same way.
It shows 2,36
